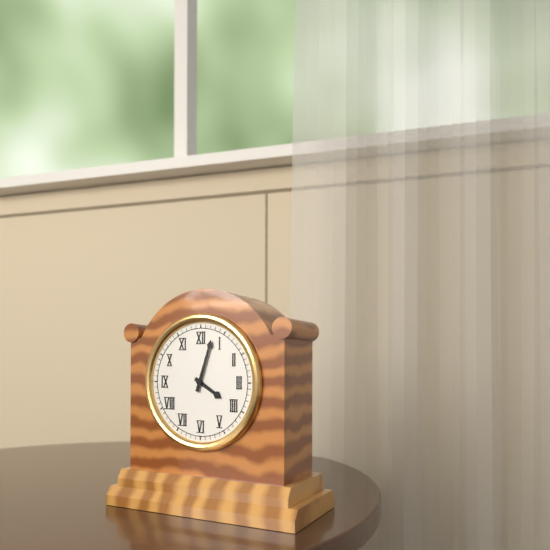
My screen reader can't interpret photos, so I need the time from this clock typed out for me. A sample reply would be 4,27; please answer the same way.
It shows 4,03
